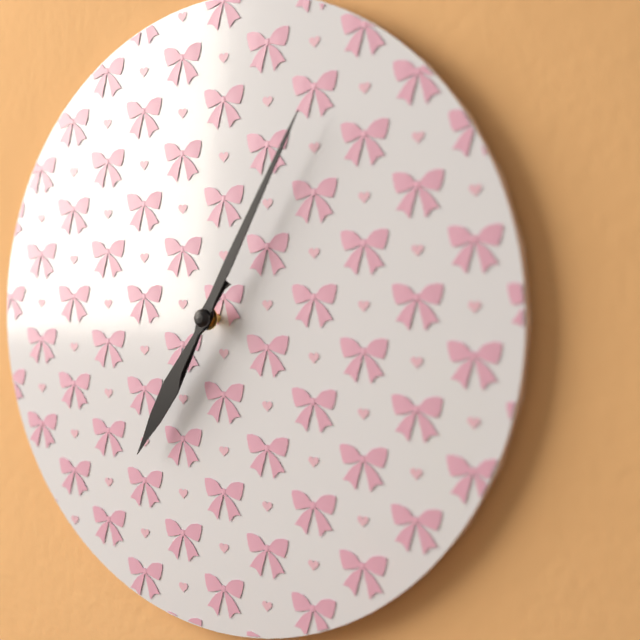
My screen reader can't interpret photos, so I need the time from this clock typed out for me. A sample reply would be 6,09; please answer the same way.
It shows 7,05
